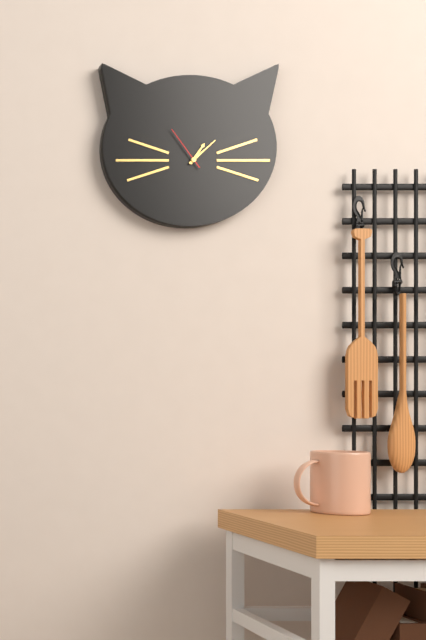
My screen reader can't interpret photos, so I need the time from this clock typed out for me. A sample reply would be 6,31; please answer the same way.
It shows 1,08
